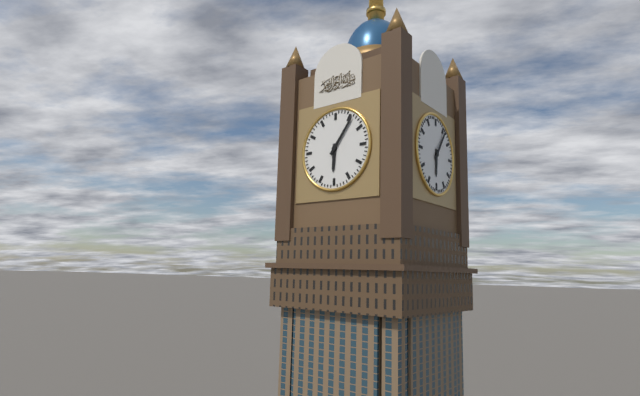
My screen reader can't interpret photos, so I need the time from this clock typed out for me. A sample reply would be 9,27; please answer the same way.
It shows 6,06
